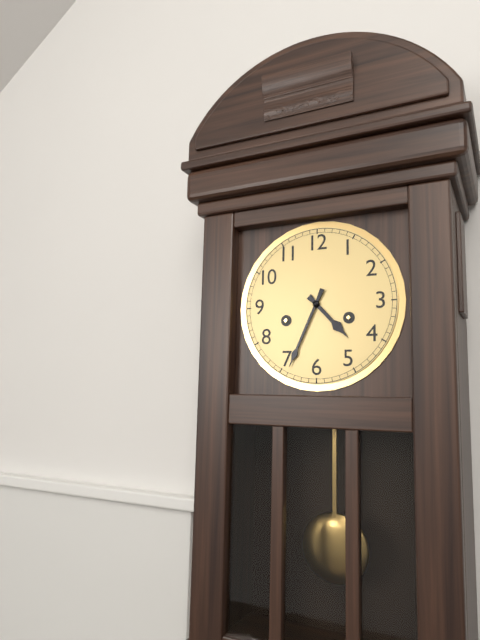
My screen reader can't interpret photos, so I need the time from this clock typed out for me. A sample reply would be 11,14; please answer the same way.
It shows 4,34
